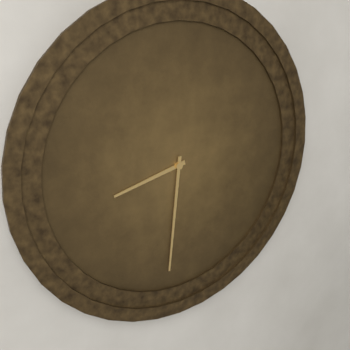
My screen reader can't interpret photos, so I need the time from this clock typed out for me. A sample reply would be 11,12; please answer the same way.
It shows 8,31
